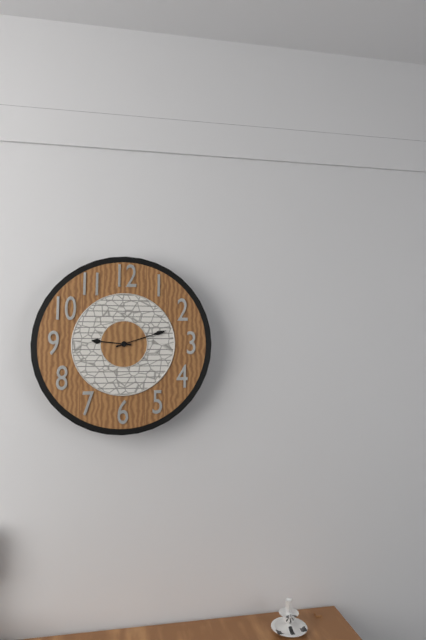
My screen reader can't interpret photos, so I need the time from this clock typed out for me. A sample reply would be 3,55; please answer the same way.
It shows 9,12
